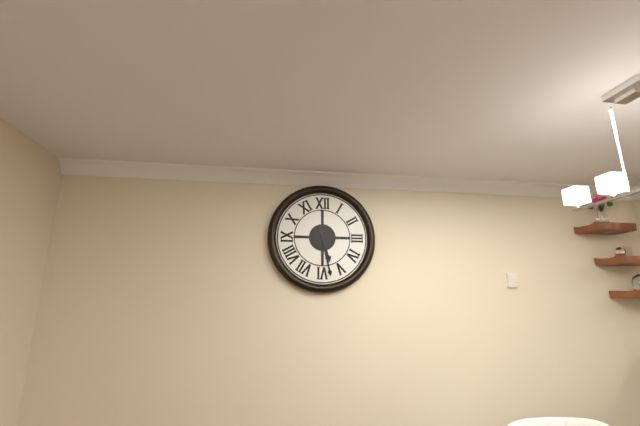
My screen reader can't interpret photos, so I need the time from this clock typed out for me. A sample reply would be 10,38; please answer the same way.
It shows 5,28
